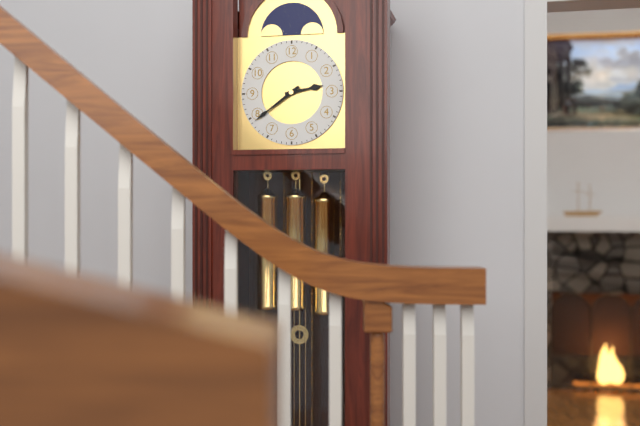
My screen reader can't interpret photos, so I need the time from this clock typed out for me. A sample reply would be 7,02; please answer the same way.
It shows 2,39
